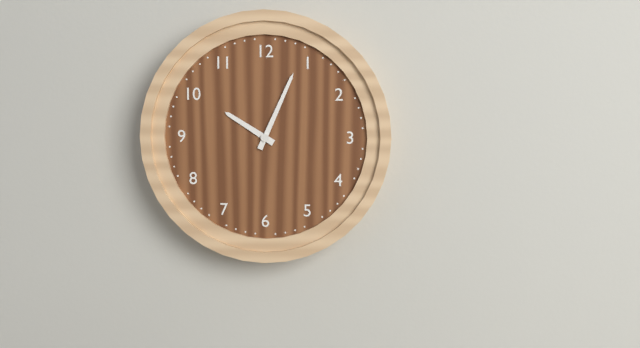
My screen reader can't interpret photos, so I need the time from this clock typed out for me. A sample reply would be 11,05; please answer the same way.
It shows 10,04
